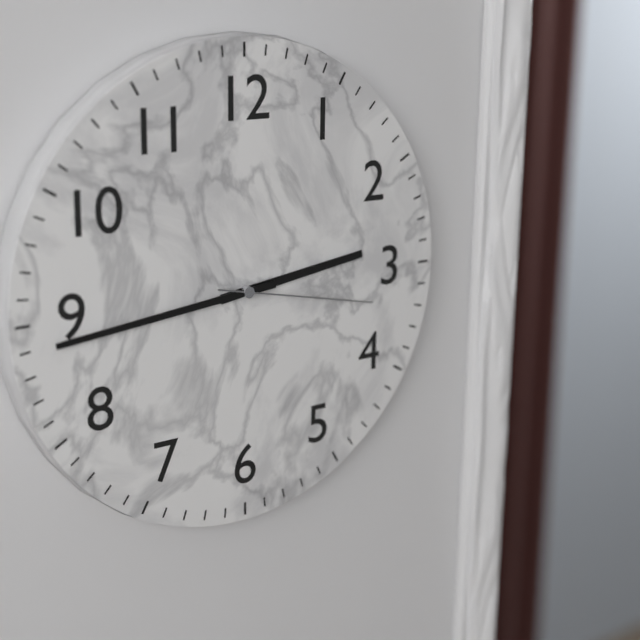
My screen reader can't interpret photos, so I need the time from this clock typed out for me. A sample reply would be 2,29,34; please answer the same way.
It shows 2,44,17
